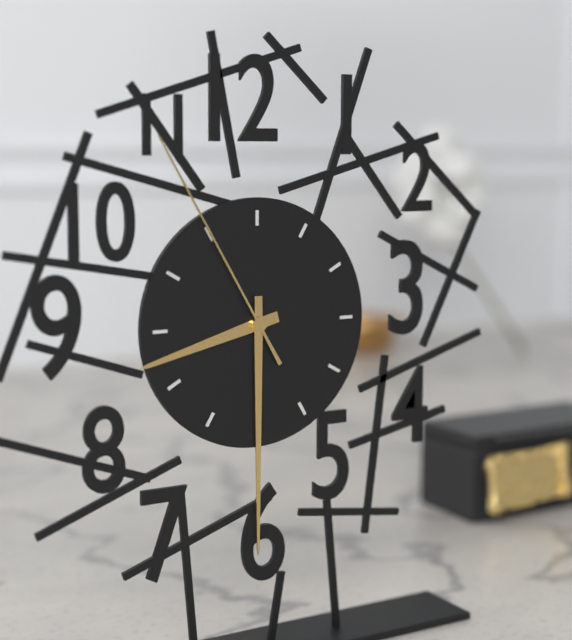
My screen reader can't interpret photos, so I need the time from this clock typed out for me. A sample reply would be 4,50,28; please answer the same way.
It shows 8,30,55
